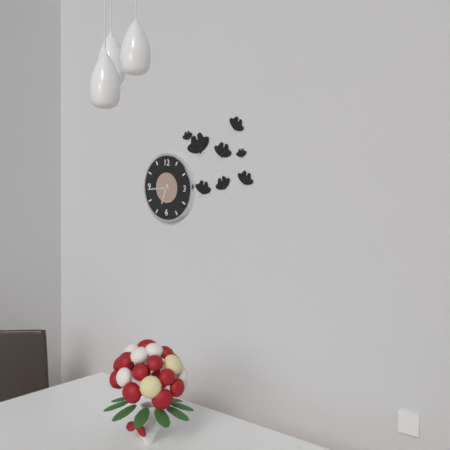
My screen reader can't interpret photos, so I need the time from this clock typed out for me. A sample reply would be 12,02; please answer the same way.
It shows 6,44
